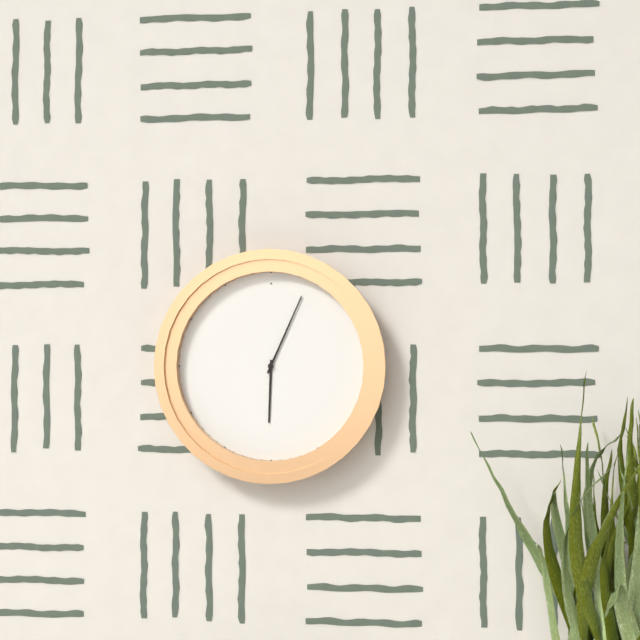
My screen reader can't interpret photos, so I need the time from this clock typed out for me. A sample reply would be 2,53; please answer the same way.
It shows 6,04
